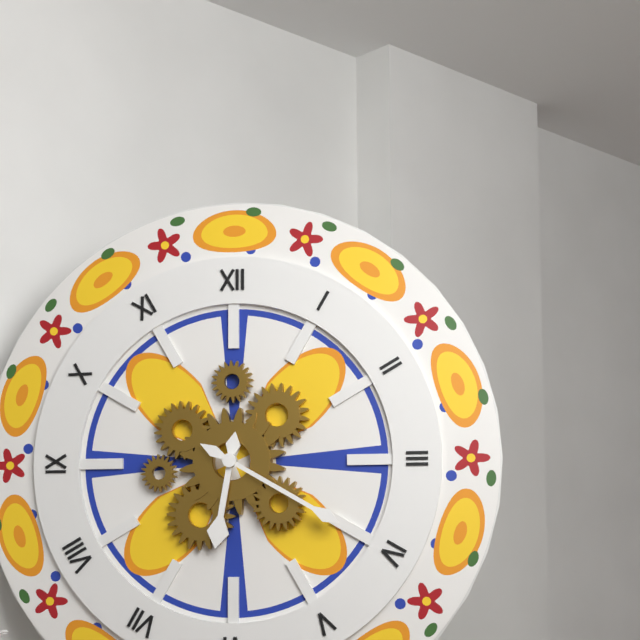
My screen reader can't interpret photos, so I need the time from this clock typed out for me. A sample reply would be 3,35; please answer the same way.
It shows 6,20
